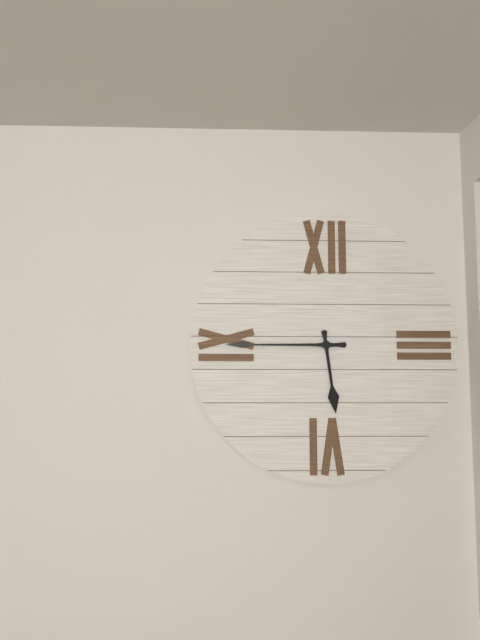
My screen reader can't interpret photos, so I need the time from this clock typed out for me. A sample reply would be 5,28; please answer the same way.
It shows 5,45
